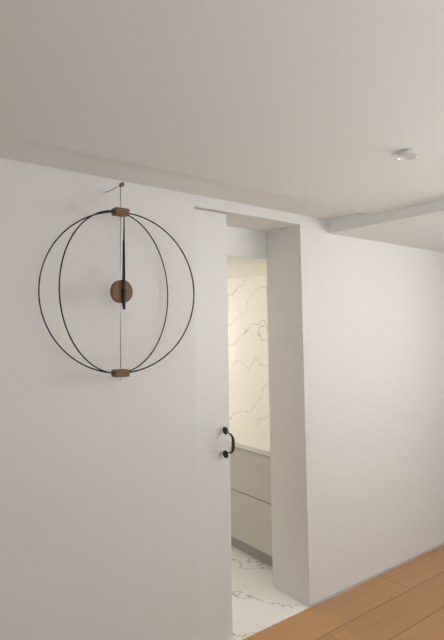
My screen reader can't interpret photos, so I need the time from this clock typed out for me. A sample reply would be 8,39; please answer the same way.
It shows 12,00
